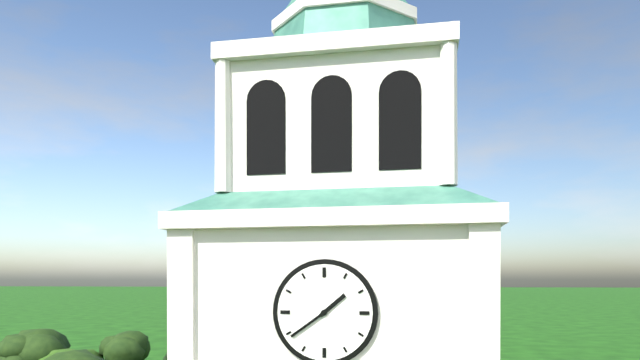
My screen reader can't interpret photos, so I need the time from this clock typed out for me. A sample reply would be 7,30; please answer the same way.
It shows 1,39
